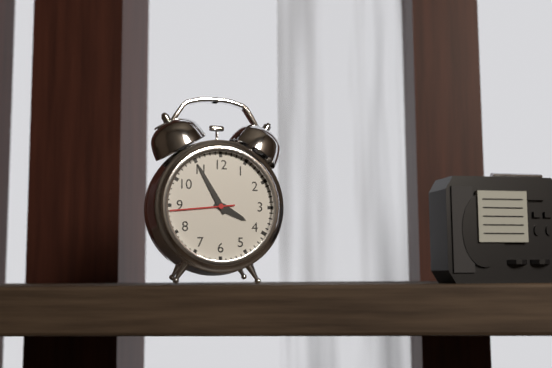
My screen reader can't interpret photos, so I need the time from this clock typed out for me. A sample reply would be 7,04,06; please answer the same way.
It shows 3,55,44
